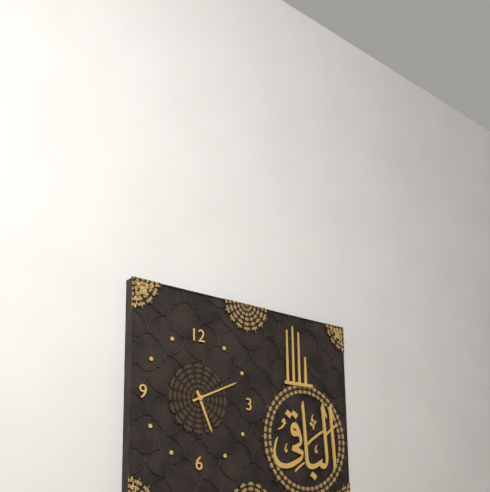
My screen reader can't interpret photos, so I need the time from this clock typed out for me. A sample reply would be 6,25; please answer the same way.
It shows 5,11
